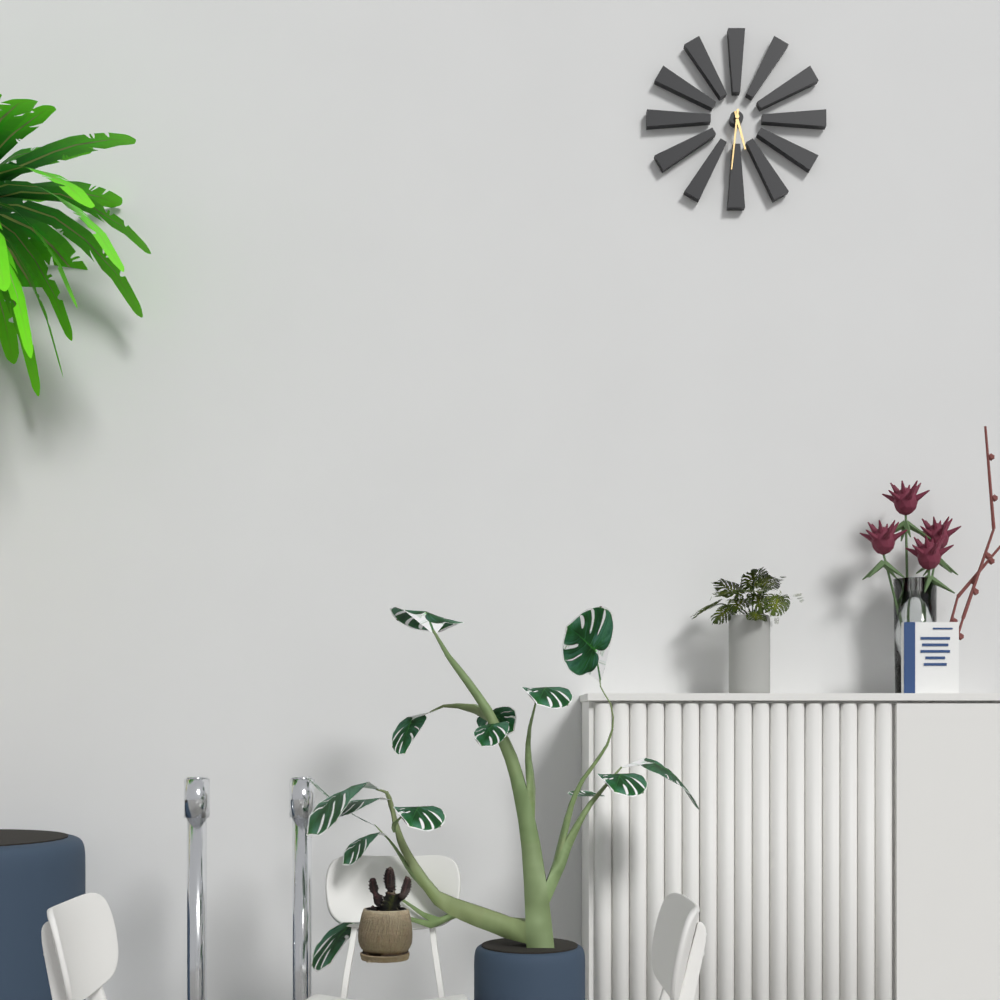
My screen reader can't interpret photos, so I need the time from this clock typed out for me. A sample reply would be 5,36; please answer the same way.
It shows 5,31
